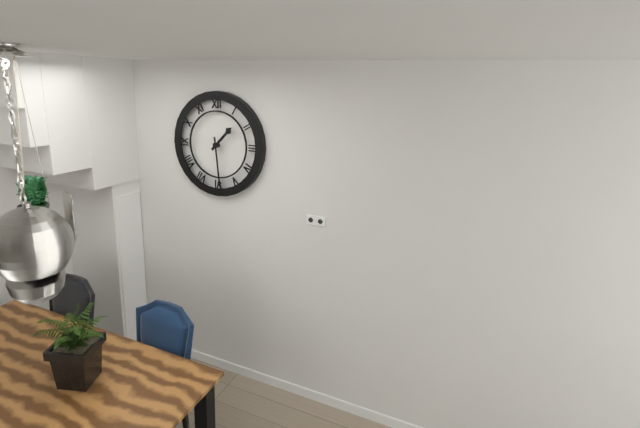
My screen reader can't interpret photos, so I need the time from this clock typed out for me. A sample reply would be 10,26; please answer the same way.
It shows 1,29
